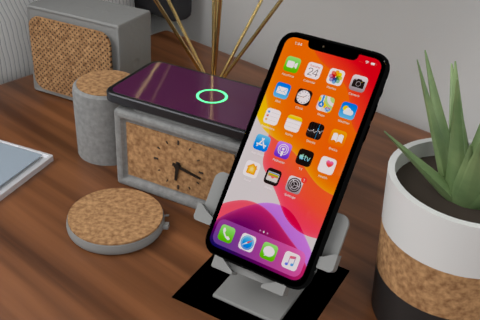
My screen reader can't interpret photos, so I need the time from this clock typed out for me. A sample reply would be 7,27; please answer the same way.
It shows 6,17
